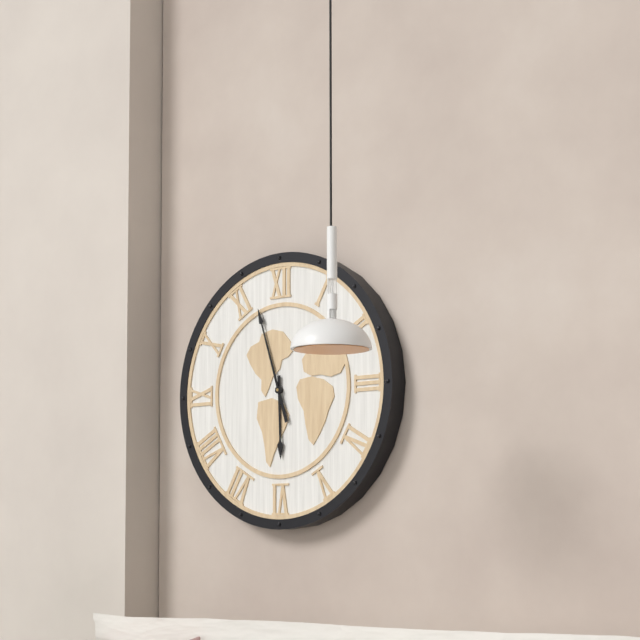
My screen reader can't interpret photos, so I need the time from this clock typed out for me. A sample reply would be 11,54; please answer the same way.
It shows 5,57
